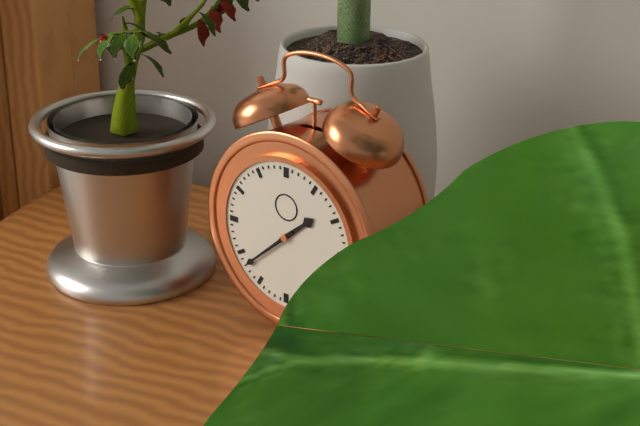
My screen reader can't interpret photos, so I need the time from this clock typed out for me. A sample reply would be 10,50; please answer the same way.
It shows 1,38
